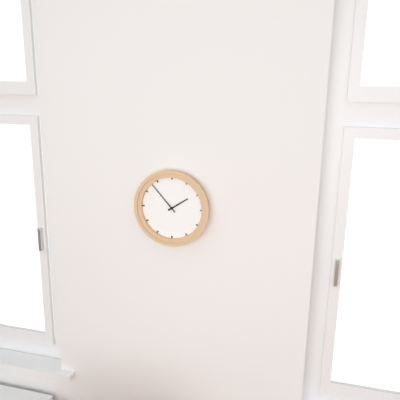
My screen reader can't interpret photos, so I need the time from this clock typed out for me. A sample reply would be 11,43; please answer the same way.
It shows 1,53
